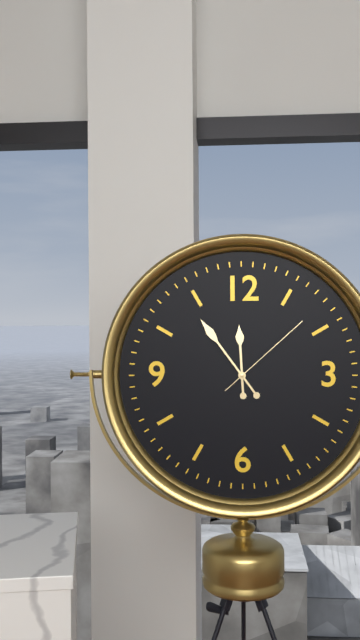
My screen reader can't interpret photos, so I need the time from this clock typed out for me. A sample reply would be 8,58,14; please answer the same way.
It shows 11,54,08
